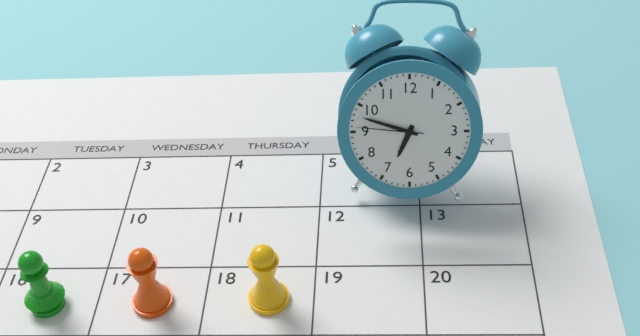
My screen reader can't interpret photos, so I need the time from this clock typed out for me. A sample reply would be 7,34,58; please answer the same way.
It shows 6,48,46
